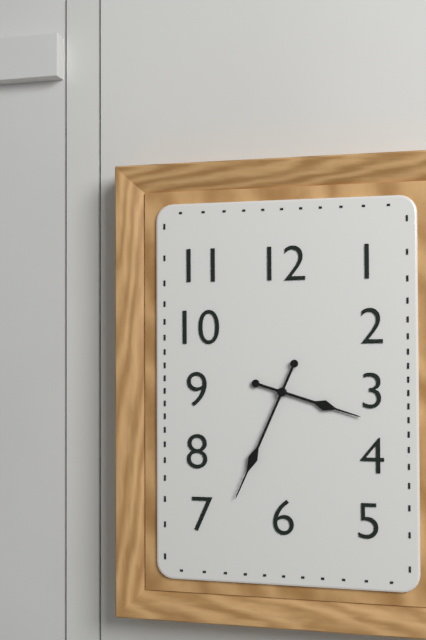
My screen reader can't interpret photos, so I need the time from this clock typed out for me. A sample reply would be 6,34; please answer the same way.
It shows 3,34
